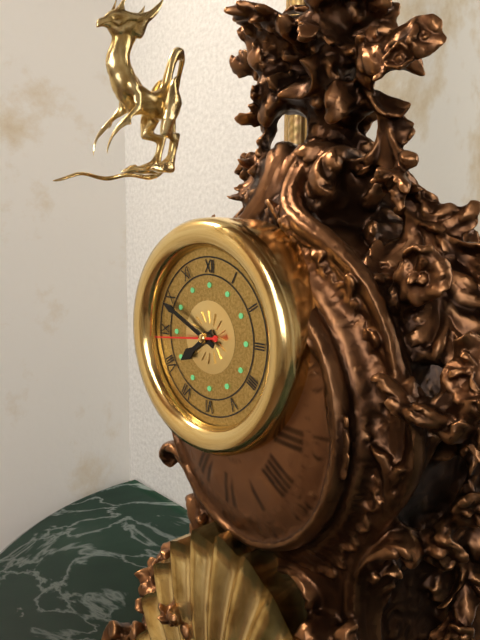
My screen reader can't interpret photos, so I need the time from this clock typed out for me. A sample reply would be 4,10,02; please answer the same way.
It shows 7,49,44
